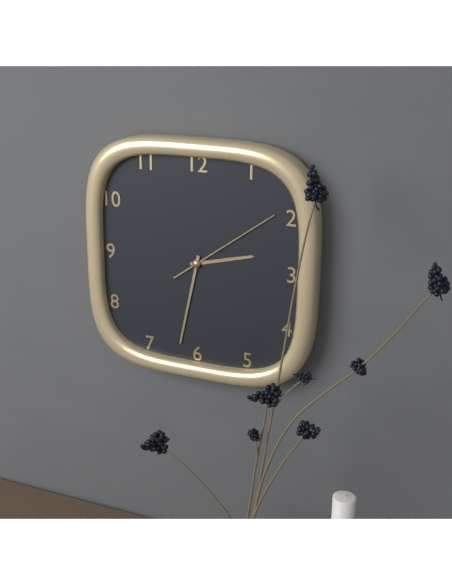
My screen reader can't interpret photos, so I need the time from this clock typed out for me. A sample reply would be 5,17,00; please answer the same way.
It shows 2,32,09
